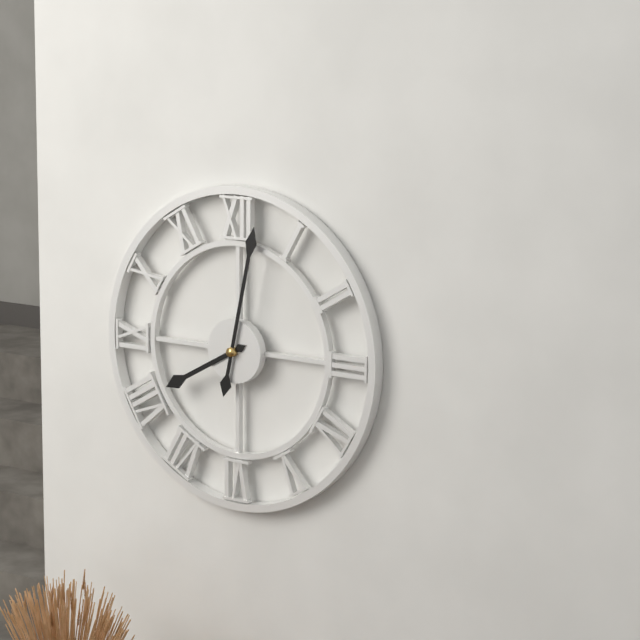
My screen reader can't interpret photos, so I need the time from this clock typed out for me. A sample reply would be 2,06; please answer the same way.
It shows 8,02
